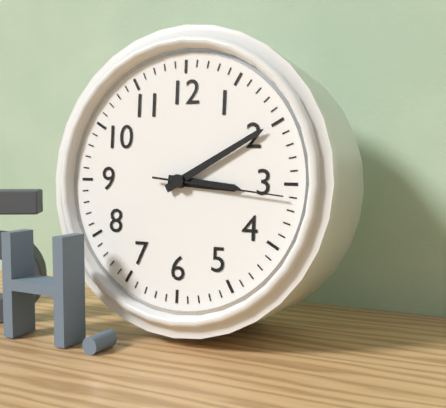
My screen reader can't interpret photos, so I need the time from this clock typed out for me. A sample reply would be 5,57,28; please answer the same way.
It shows 3,10,16
